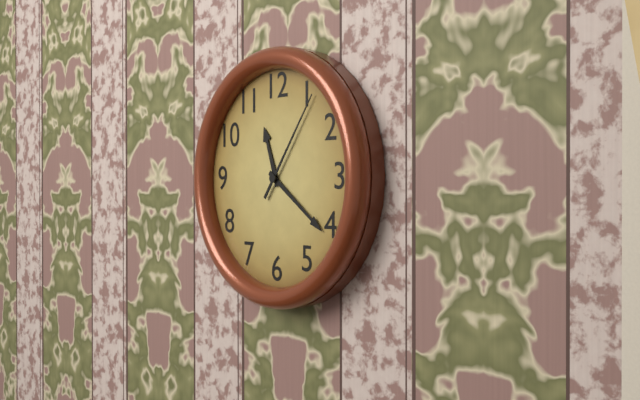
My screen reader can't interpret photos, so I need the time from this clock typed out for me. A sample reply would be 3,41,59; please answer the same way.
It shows 11,21,06
